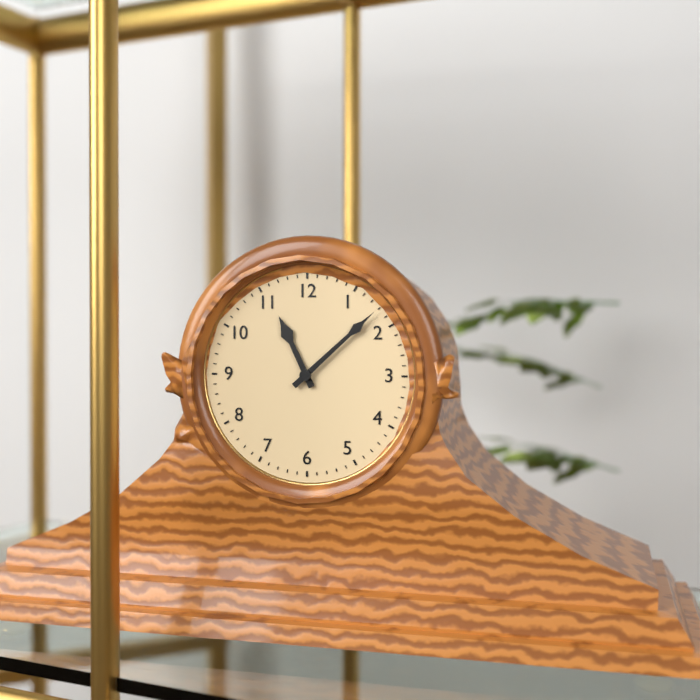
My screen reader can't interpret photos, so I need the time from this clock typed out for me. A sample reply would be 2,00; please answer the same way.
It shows 11,08
